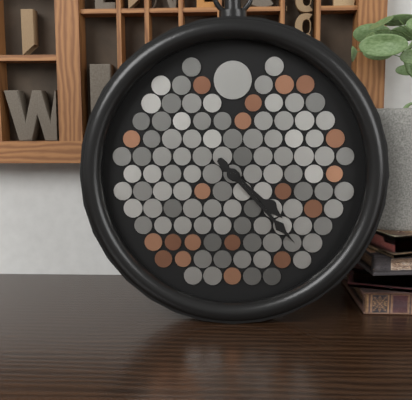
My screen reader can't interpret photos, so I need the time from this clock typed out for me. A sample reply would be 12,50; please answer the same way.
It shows 4,23
